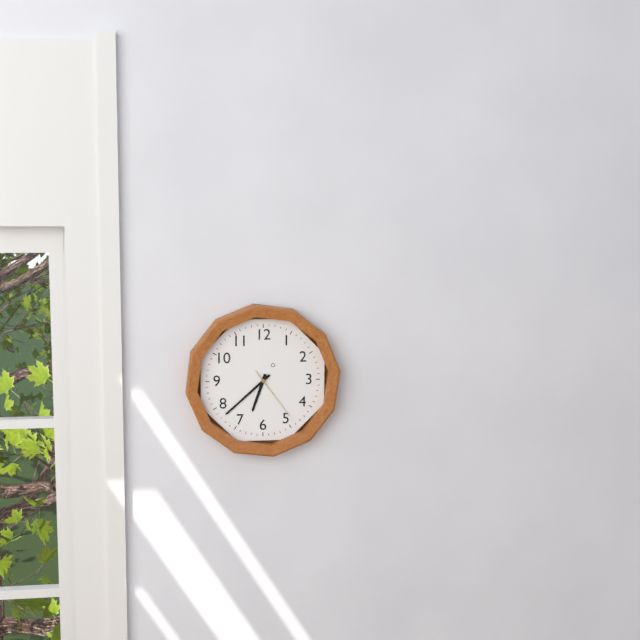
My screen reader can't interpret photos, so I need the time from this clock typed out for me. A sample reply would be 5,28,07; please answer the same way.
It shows 6,38,24
